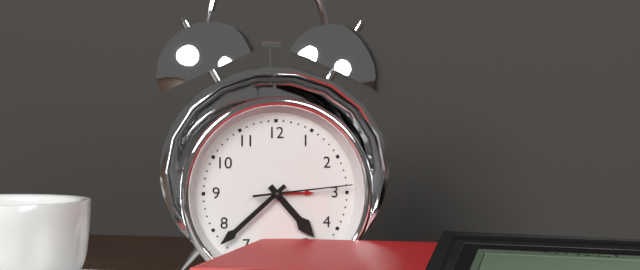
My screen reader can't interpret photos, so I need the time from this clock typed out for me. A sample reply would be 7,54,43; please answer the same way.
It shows 4,38,14
